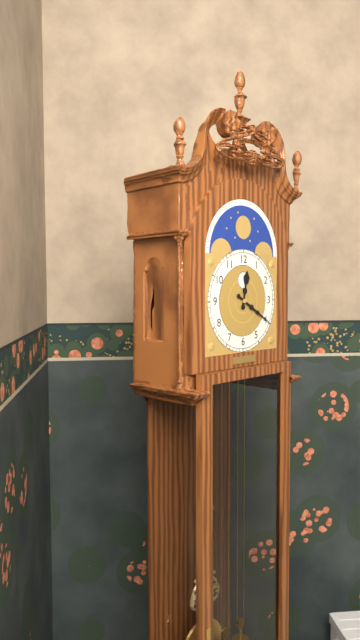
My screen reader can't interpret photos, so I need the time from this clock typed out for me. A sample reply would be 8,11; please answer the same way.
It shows 12,20
